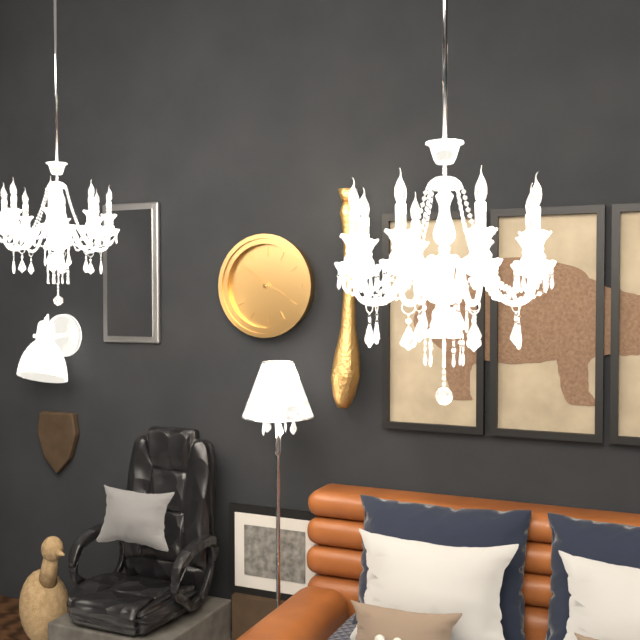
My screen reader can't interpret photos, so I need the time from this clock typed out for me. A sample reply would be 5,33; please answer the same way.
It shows 3,51
